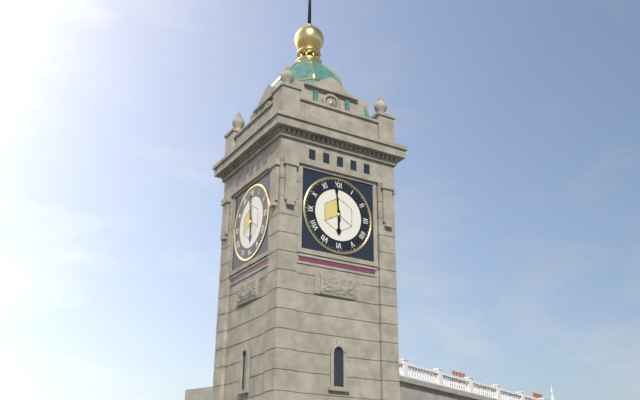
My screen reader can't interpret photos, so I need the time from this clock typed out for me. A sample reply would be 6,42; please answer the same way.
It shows 5,59
